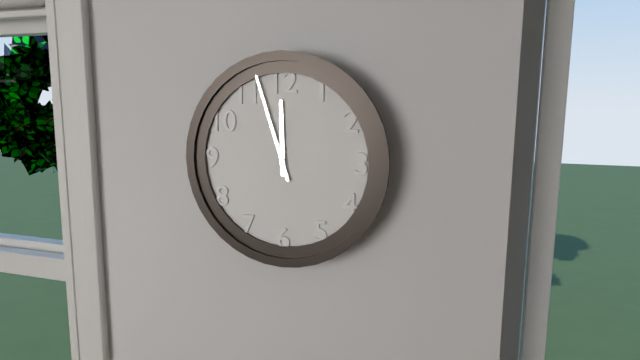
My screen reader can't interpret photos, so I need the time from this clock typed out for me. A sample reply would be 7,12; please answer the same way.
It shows 11,57
